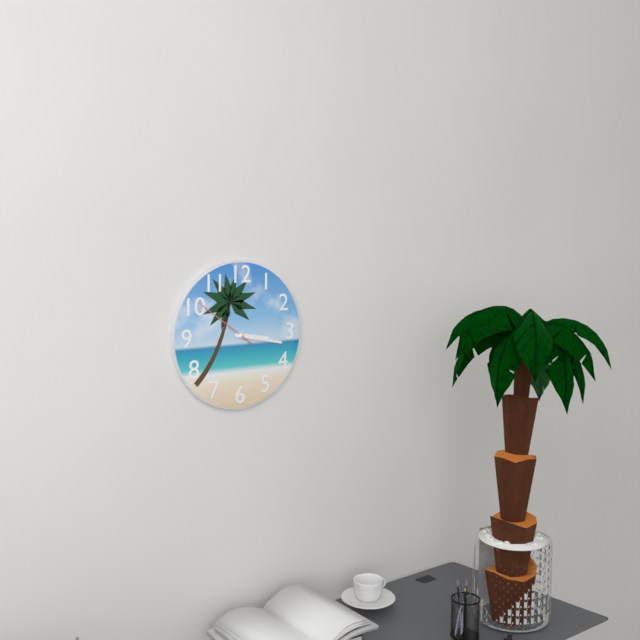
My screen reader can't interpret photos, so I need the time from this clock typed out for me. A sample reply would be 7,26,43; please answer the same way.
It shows 3,17,51
